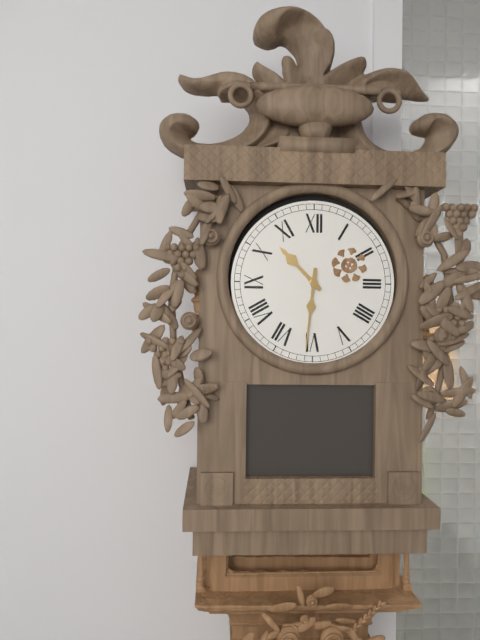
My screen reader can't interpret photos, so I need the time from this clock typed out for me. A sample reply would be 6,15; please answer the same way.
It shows 10,31
